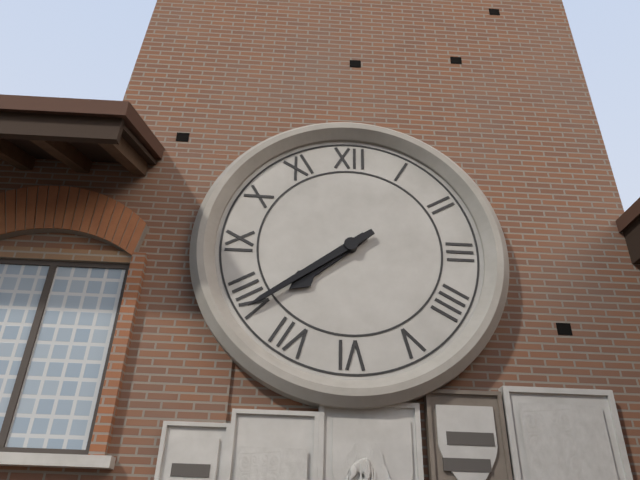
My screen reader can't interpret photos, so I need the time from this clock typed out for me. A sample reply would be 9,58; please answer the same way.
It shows 7,39
